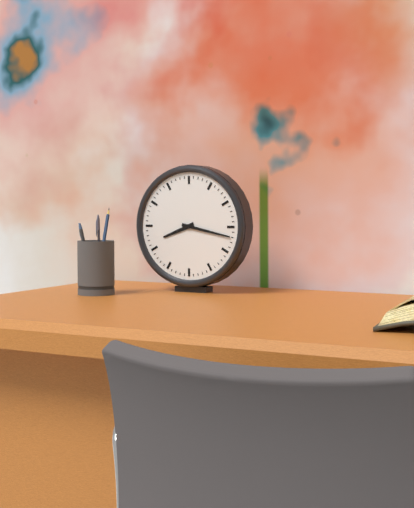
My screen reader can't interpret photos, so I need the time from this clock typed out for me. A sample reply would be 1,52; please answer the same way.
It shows 8,17
